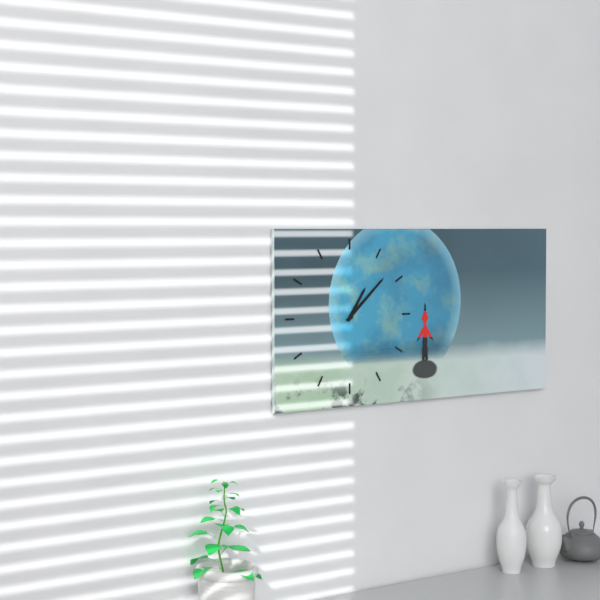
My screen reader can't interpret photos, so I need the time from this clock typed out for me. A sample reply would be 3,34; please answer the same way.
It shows 1,08
